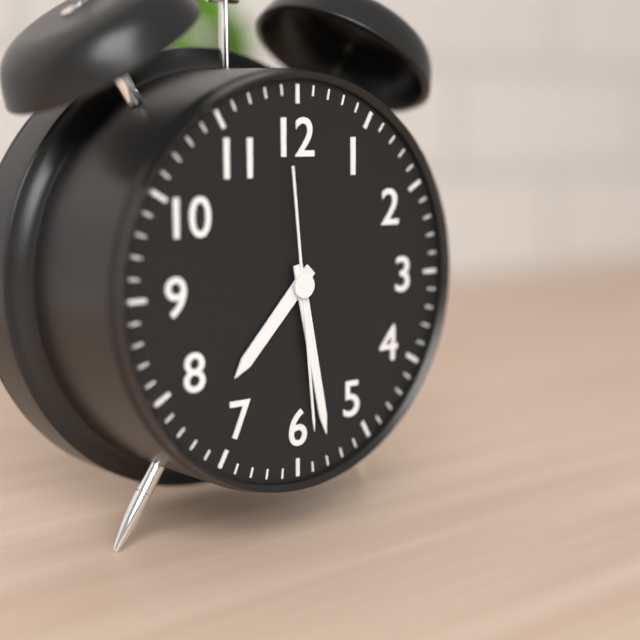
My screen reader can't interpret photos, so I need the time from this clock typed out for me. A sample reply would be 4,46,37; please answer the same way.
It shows 7,28,29
